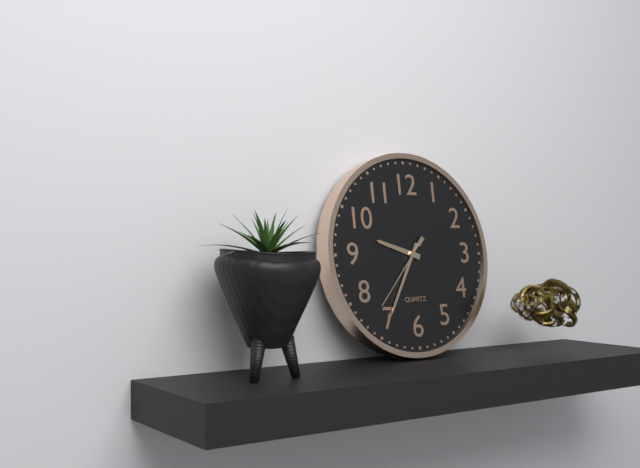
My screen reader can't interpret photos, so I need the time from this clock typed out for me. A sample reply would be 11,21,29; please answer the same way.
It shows 9,35,37
